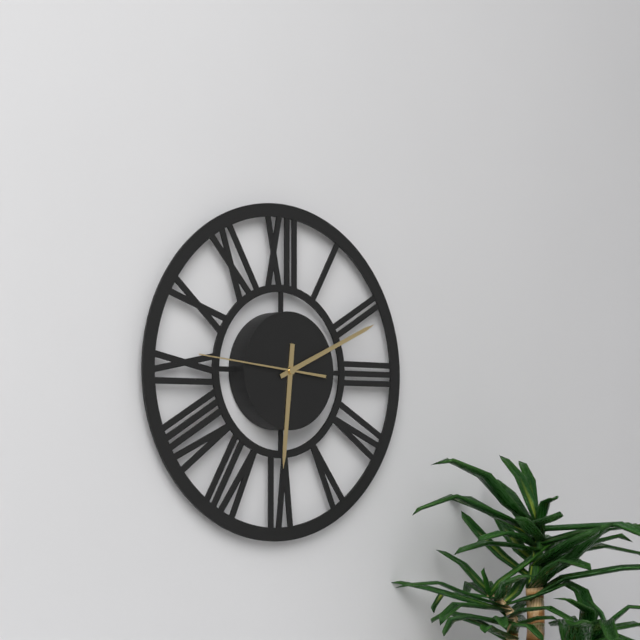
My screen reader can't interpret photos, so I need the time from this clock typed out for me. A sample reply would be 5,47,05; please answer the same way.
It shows 6,11,46
